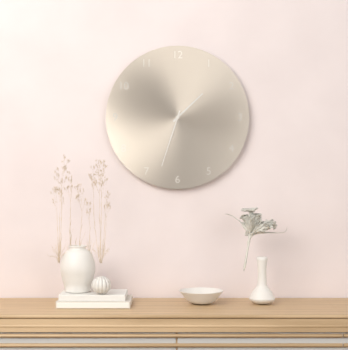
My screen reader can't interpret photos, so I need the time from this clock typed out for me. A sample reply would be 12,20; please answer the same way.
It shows 1,33
